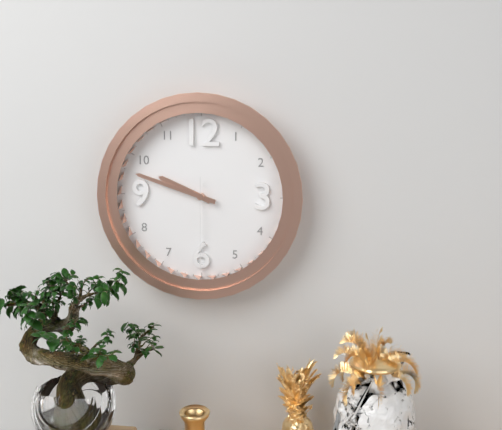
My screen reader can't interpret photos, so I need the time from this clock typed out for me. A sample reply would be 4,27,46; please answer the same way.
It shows 9,48,30
